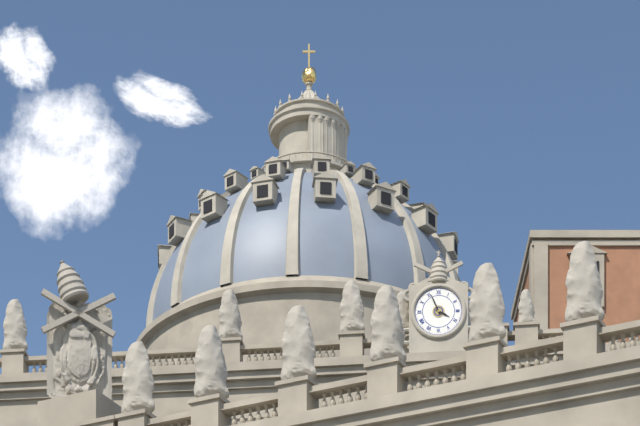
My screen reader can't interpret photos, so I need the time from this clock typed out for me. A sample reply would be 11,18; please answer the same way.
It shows 3,56
